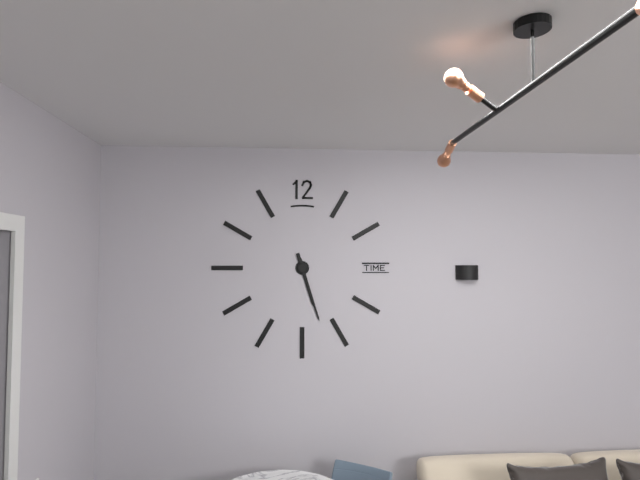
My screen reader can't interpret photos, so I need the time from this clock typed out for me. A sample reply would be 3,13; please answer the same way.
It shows 5,27
